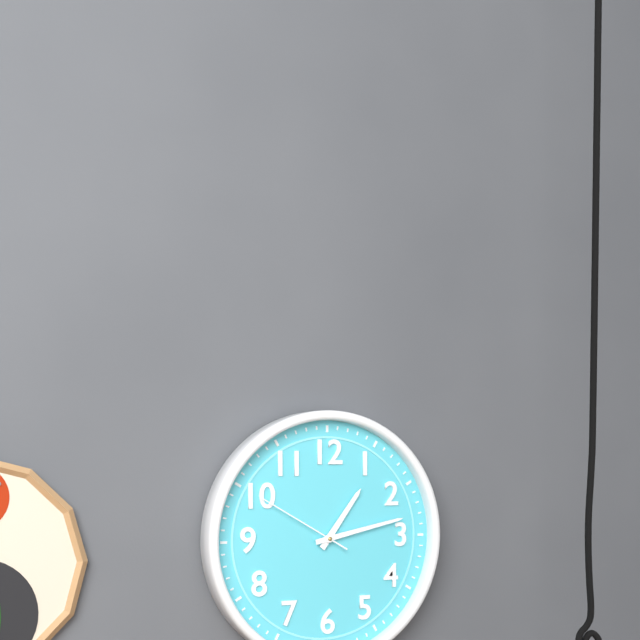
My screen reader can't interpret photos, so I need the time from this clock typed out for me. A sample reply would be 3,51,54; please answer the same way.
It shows 1,13,50
